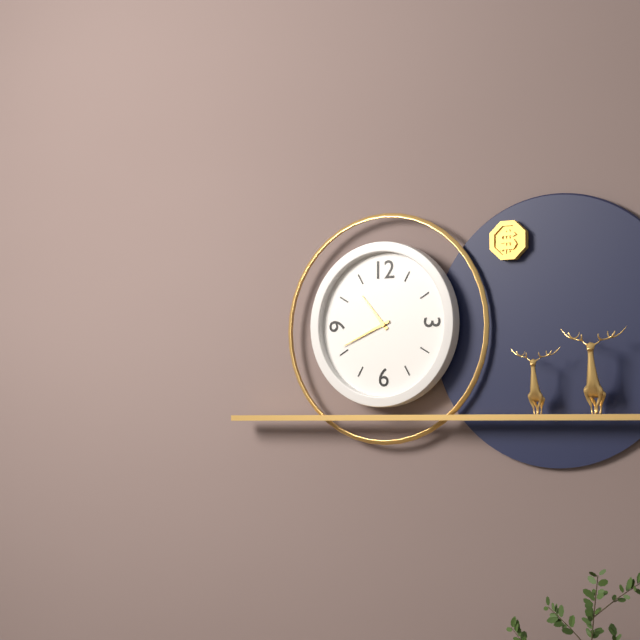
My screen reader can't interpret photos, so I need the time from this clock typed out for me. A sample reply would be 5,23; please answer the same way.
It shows 10,41
